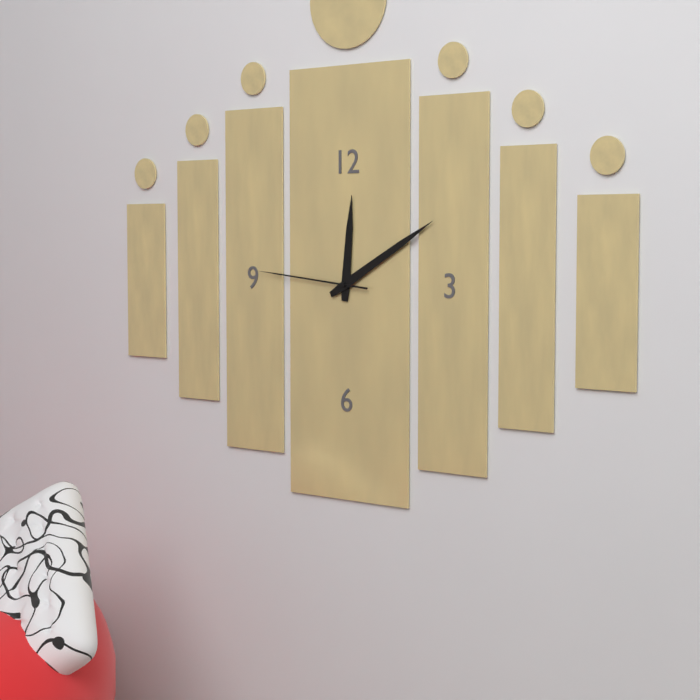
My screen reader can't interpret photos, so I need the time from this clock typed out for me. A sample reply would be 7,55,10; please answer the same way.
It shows 12,10,46
